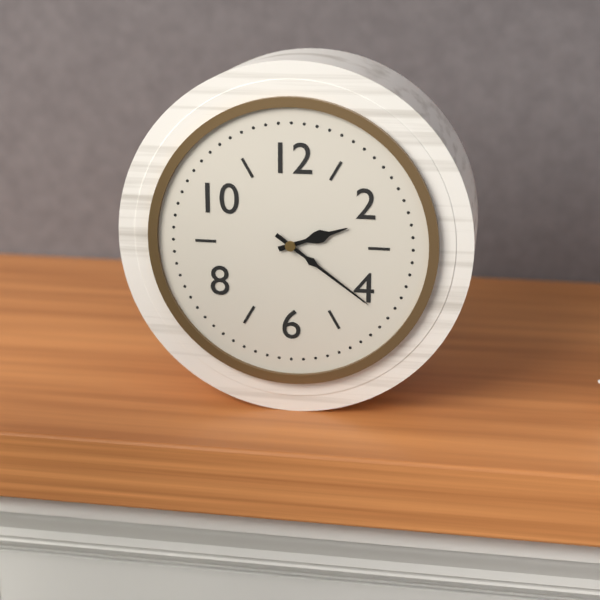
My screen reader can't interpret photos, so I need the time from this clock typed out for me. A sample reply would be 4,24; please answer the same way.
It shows 2,21
